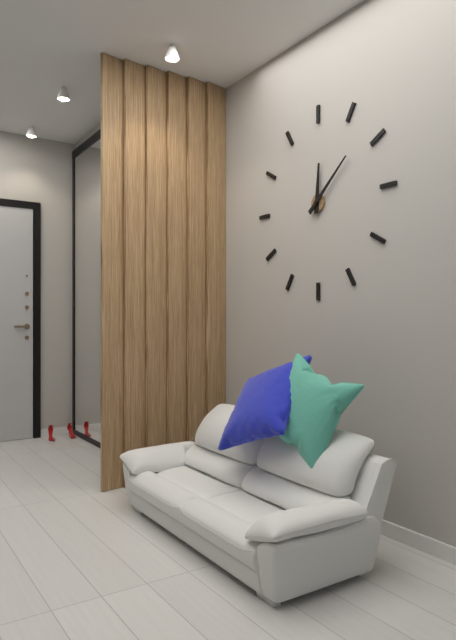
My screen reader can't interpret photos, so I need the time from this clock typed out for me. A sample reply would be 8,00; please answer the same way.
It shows 12,08
